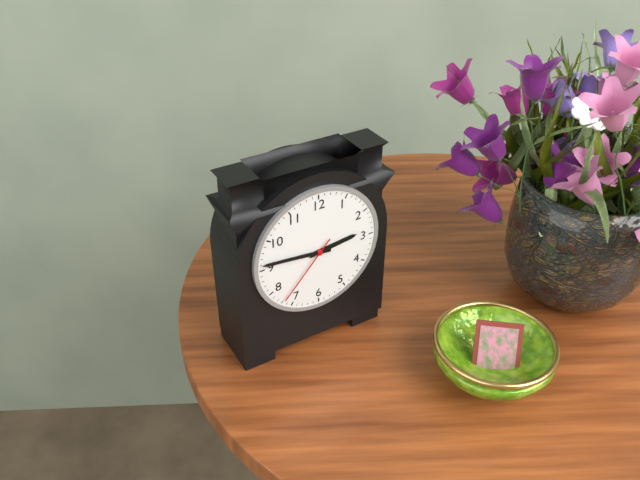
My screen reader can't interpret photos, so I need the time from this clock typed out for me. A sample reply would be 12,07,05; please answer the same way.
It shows 2,46,37
